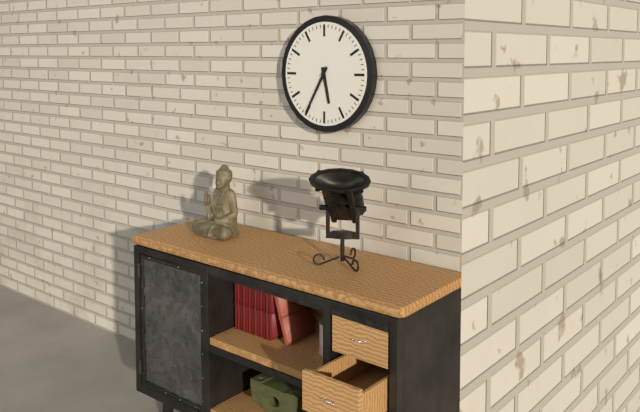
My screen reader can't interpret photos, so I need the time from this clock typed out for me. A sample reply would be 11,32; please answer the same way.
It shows 5,35
